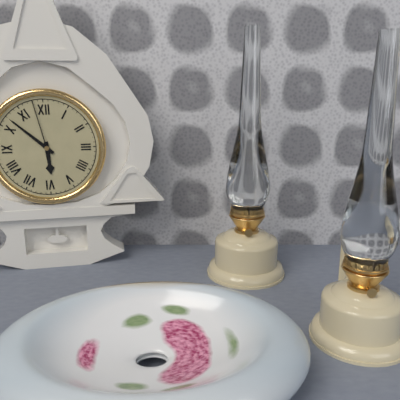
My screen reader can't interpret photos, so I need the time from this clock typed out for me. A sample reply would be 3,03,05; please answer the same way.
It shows 5,52,58
